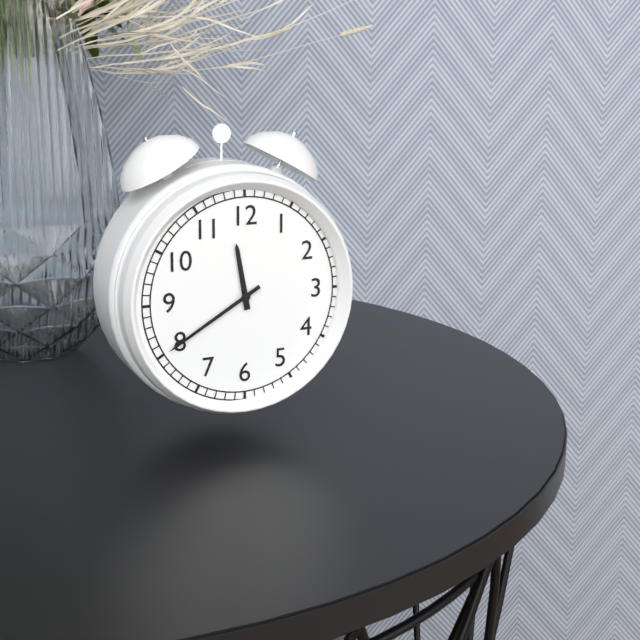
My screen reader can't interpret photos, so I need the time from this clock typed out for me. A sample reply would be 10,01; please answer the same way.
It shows 11,40
